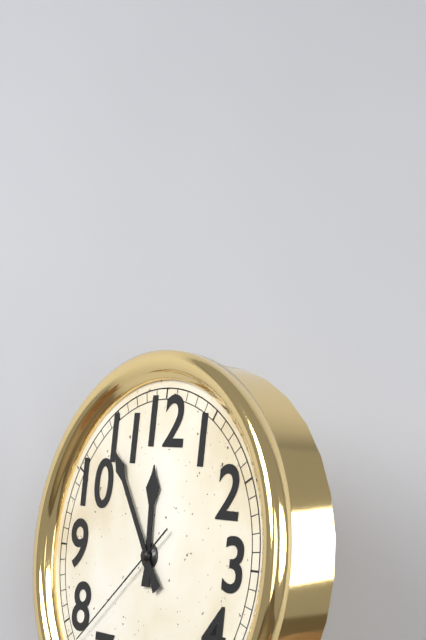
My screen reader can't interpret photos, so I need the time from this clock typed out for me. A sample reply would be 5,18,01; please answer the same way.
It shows 11,54,38
